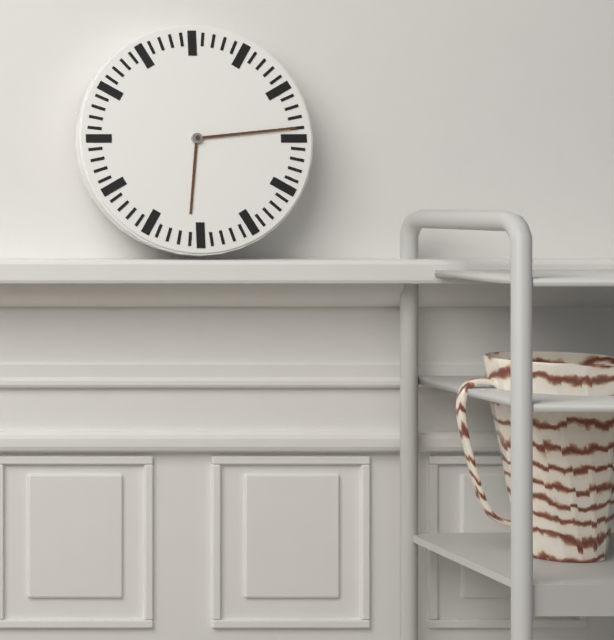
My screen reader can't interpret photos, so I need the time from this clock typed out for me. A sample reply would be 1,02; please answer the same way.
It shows 6,14
